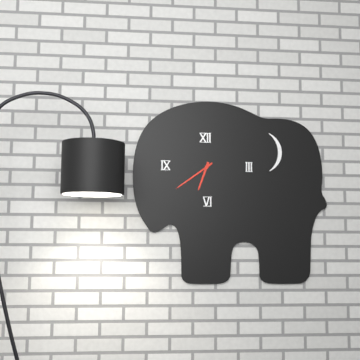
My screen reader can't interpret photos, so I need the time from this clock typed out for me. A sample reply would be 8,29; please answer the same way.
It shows 6,39
